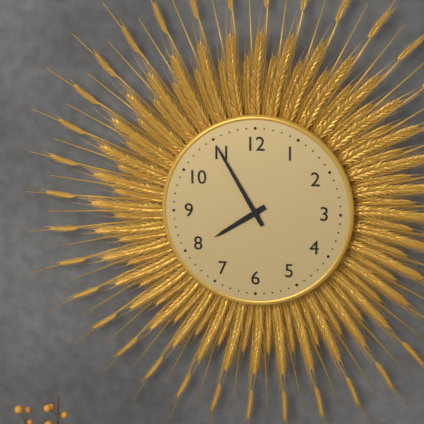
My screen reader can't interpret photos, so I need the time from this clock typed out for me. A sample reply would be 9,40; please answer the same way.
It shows 7,55
